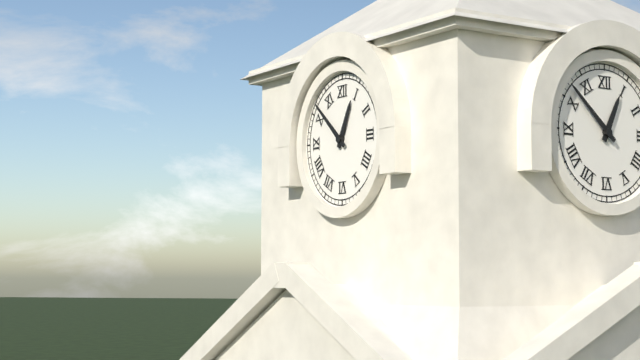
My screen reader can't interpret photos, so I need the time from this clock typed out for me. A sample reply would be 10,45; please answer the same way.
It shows 12,52
